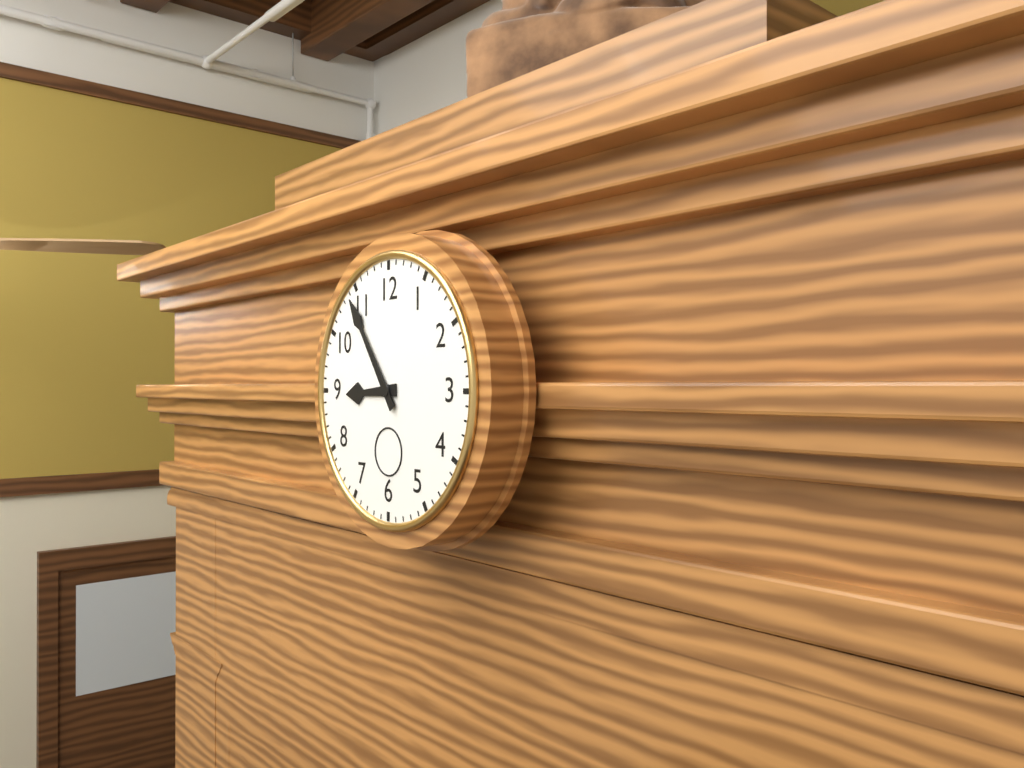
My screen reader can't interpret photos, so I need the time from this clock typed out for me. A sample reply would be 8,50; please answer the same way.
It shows 8,54
